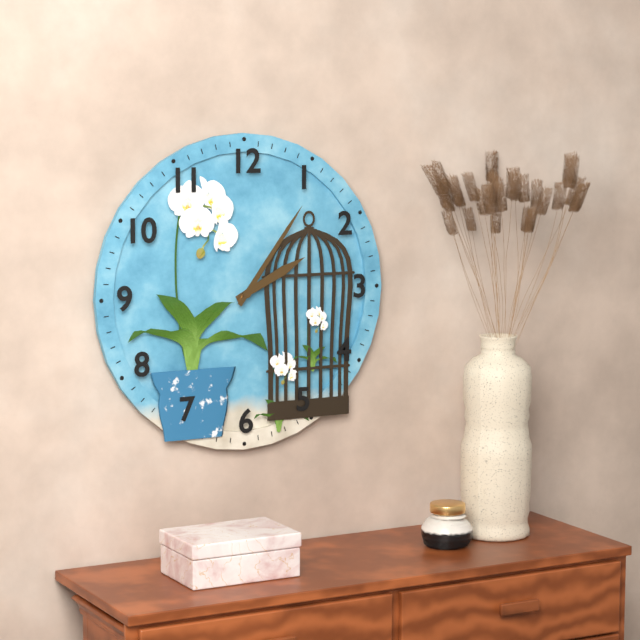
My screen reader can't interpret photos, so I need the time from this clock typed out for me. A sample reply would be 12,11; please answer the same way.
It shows 2,06
